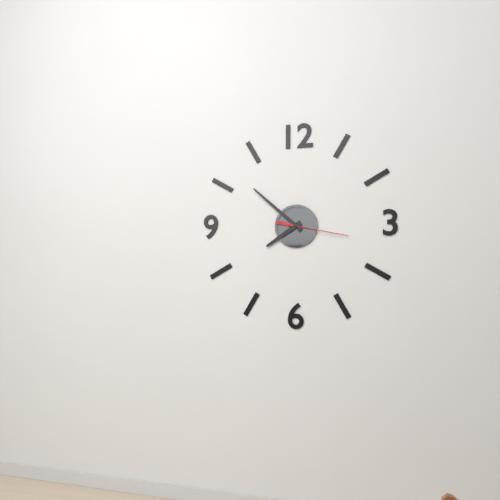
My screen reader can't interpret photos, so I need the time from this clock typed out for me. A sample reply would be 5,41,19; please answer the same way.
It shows 7,52,17
